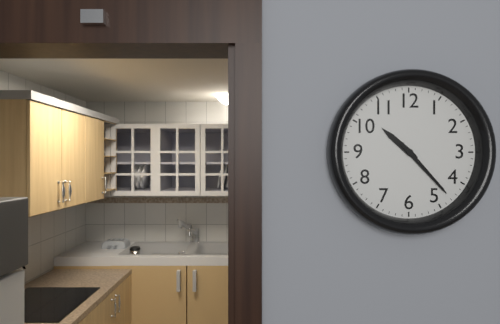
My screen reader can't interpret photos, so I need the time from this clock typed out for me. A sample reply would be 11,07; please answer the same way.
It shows 10,23
